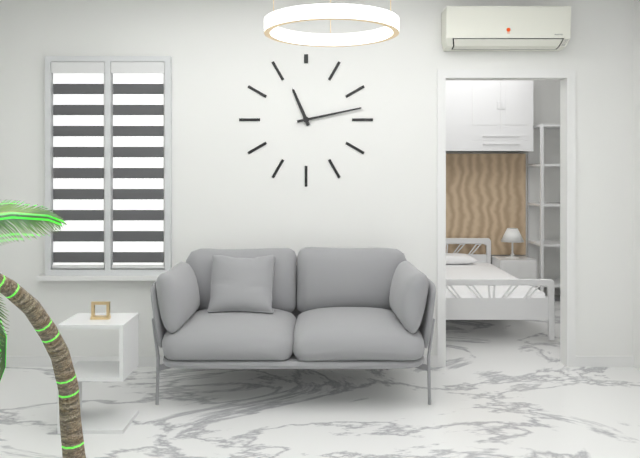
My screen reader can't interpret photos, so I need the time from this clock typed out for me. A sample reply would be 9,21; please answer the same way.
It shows 11,13
